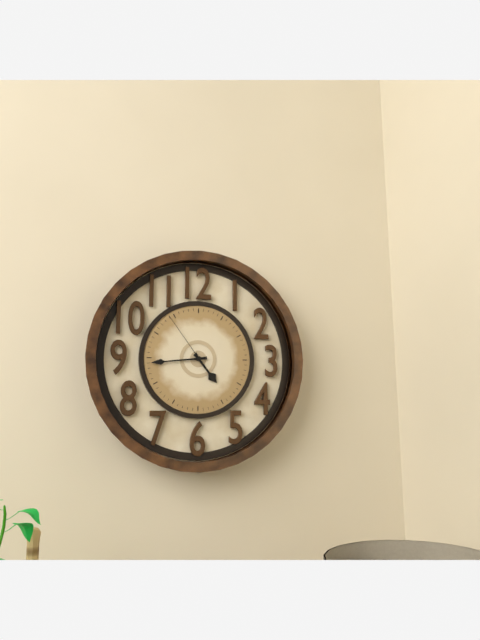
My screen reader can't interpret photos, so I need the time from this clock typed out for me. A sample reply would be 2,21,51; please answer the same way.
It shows 4,44,54
